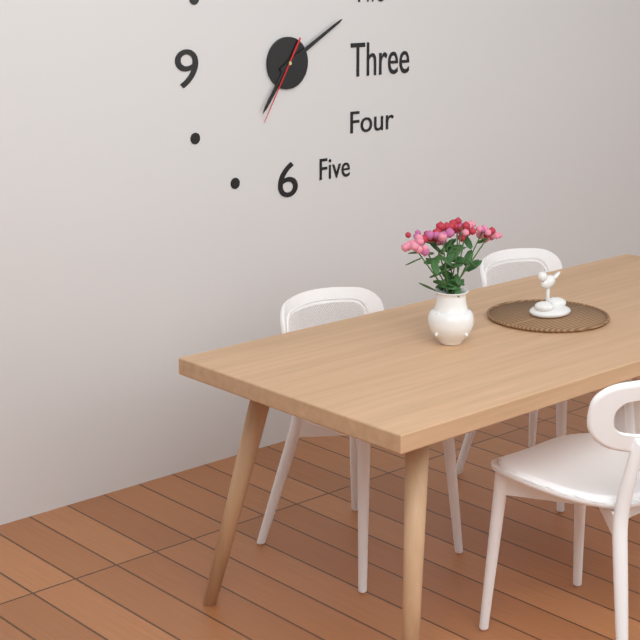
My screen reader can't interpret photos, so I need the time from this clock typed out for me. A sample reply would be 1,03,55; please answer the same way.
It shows 7,10,35
